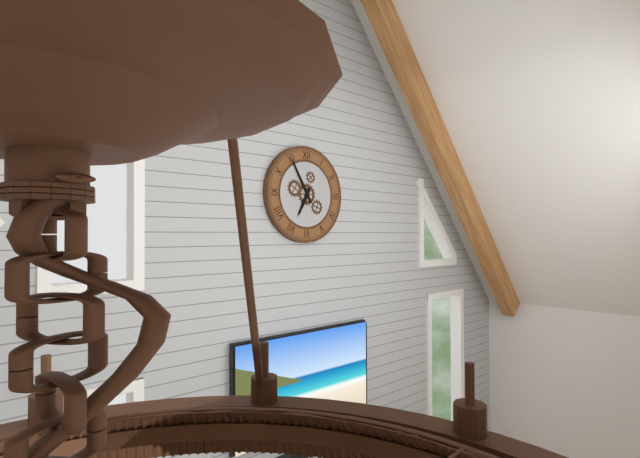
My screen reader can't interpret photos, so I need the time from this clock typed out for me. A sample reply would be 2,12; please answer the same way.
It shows 6,55
